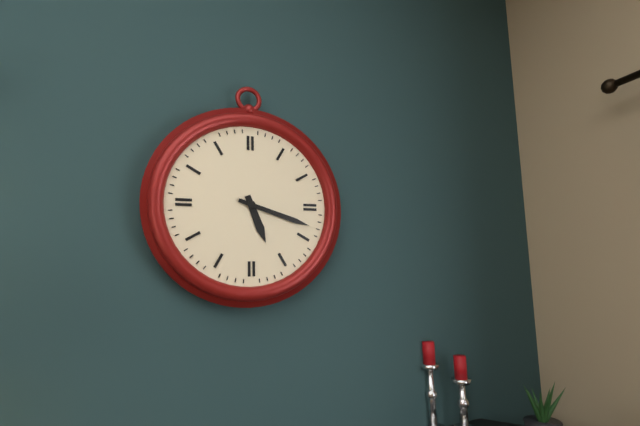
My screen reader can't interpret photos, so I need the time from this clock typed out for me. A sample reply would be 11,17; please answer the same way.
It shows 5,18
